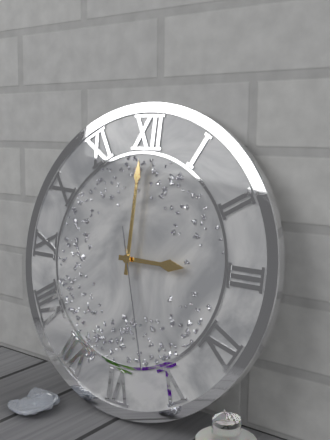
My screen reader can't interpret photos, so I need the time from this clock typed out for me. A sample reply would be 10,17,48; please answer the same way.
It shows 3,00,27
